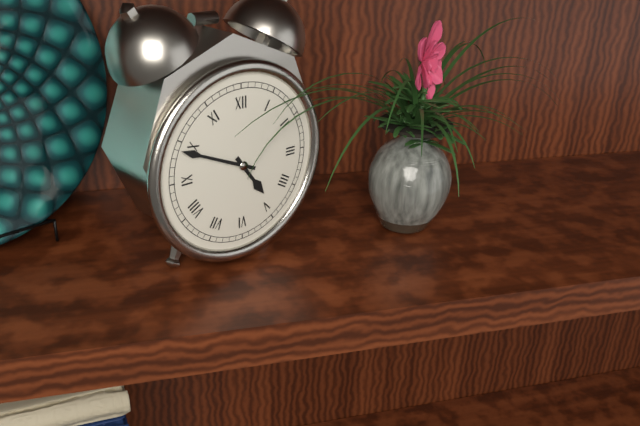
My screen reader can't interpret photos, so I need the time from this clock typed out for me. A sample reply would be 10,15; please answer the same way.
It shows 4,49
